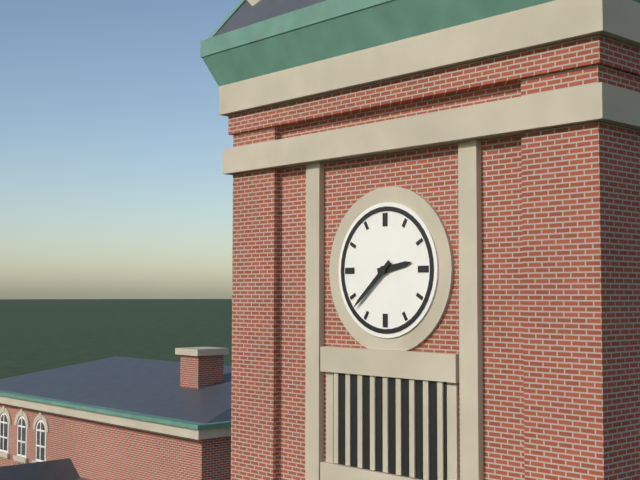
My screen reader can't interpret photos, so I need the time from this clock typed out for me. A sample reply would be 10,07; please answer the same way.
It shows 2,38
